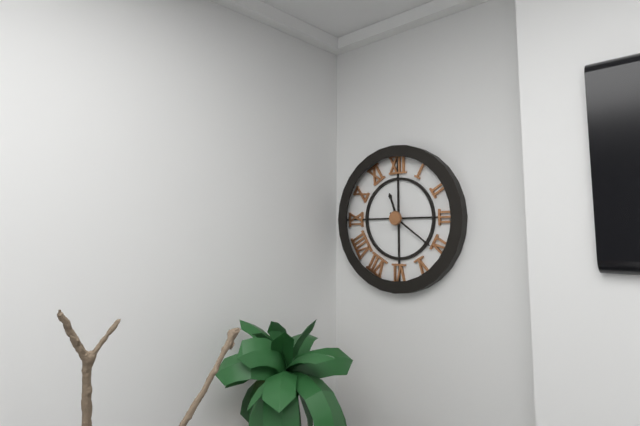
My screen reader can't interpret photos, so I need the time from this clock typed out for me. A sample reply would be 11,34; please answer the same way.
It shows 11,21
